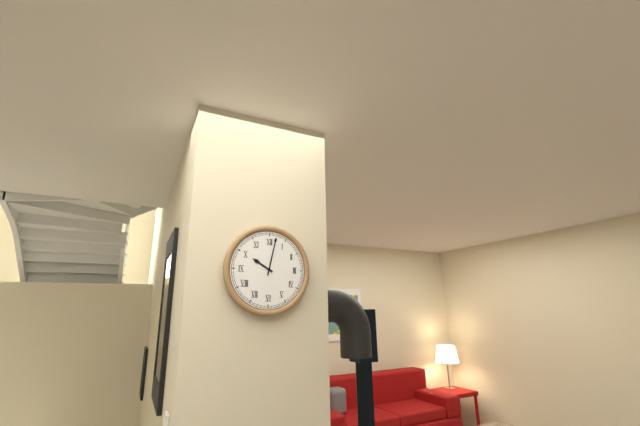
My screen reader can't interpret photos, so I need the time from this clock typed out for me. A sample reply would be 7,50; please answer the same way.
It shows 10,02
